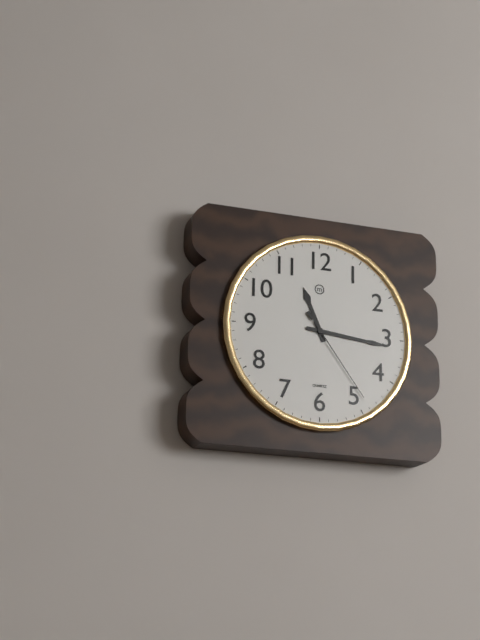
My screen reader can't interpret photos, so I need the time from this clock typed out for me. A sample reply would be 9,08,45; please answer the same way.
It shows 11,16,24
